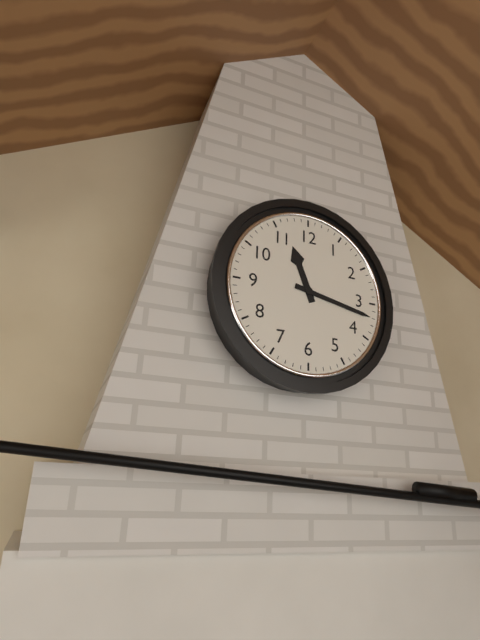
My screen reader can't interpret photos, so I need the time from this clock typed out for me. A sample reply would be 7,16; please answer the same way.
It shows 11,17
